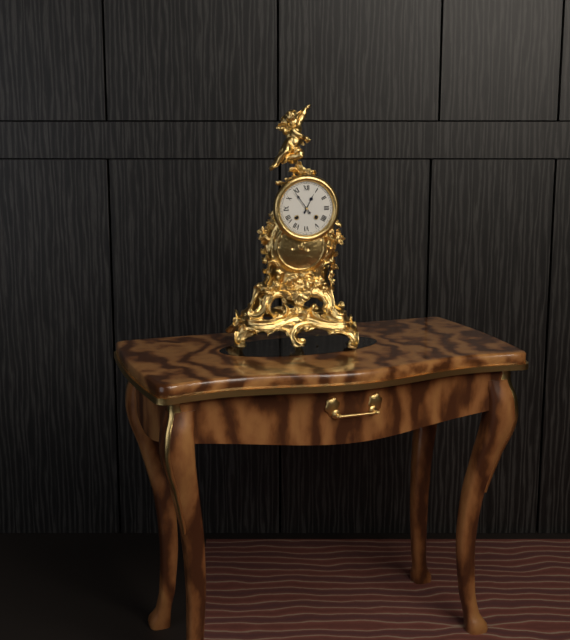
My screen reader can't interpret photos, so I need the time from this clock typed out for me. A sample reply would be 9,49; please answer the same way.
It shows 12,54
